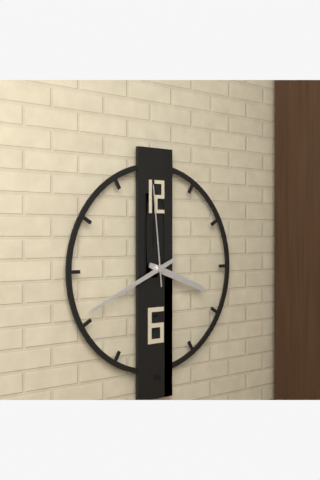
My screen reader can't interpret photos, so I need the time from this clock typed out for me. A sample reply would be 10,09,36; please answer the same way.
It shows 3,41,59
